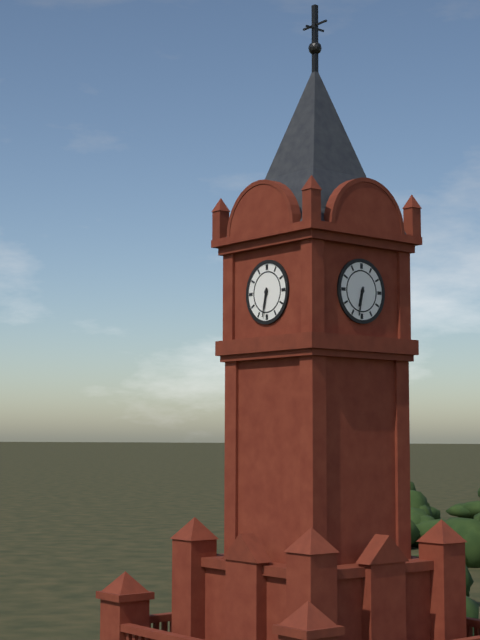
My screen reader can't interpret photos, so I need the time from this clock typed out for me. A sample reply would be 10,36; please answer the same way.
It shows 6,32
